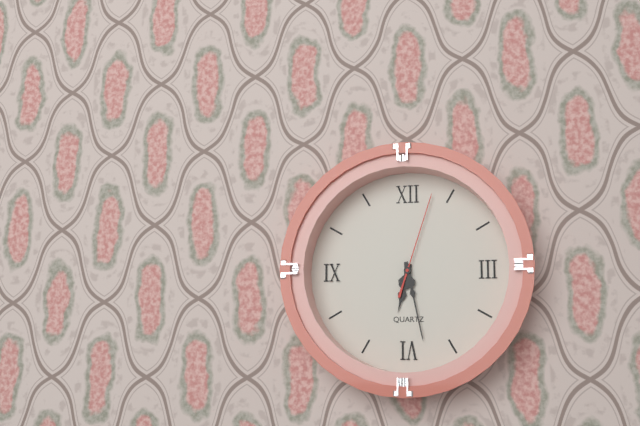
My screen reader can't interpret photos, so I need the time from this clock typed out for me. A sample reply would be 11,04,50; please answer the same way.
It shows 6,28,03
